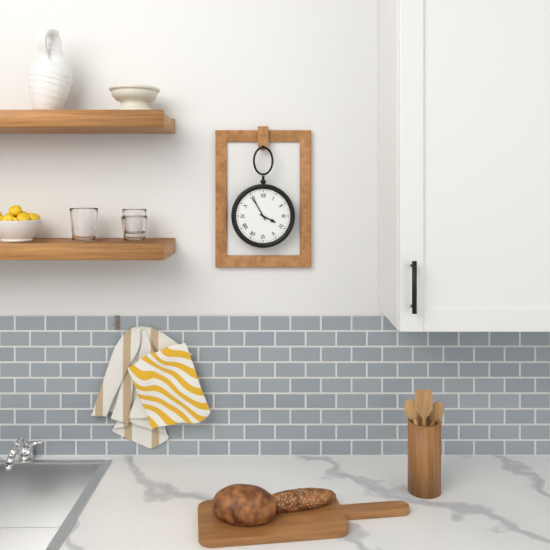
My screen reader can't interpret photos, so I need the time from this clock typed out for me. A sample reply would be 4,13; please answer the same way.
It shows 3,55
